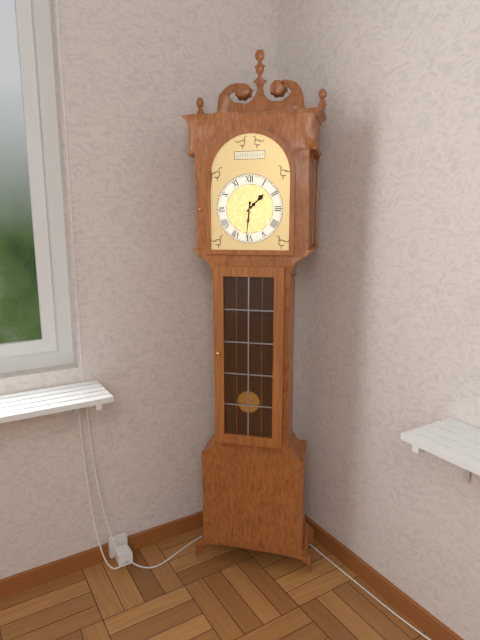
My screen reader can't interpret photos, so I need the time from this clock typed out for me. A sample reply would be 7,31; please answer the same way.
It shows 1,31
